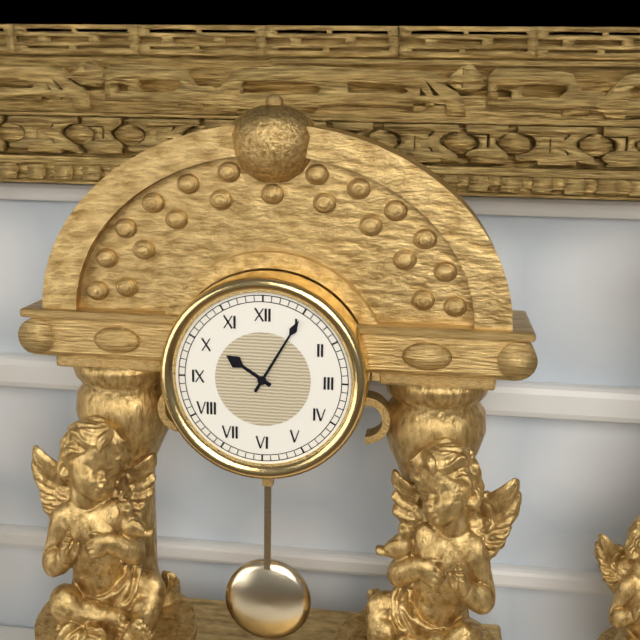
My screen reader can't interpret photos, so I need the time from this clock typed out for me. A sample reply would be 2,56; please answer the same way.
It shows 10,05
